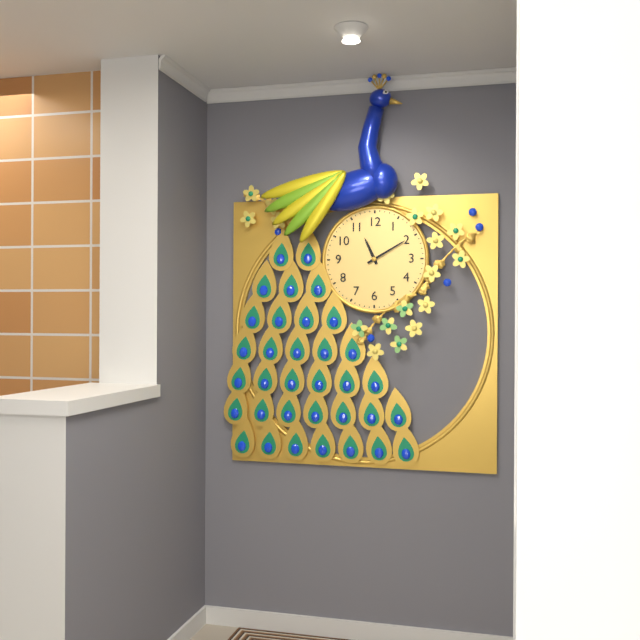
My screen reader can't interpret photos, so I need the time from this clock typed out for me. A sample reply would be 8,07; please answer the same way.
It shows 11,10
